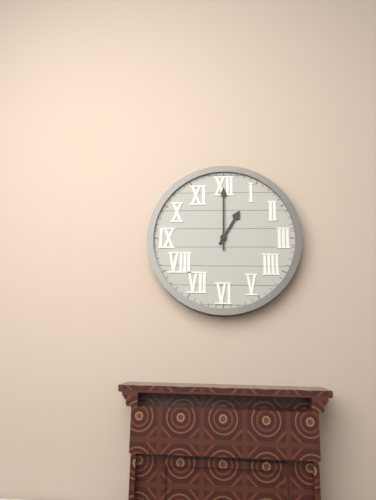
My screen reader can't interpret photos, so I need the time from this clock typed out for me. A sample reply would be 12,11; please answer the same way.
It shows 1,00
